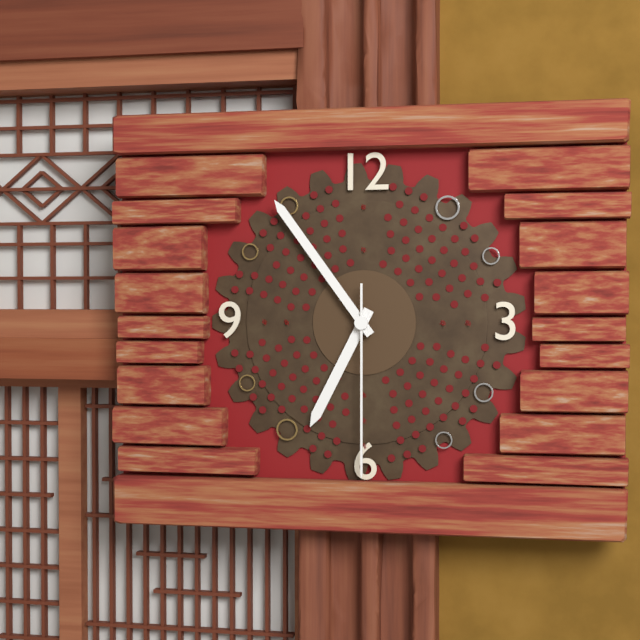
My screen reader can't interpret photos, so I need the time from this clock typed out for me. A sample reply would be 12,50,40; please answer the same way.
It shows 6,54,30
